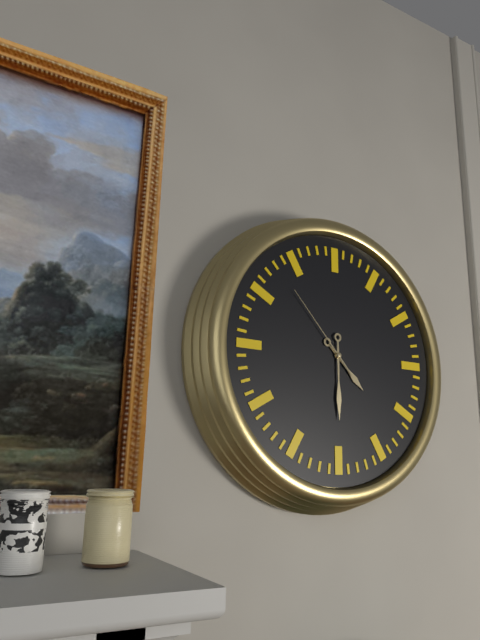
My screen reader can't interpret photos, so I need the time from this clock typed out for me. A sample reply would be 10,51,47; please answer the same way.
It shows 4,30,53
